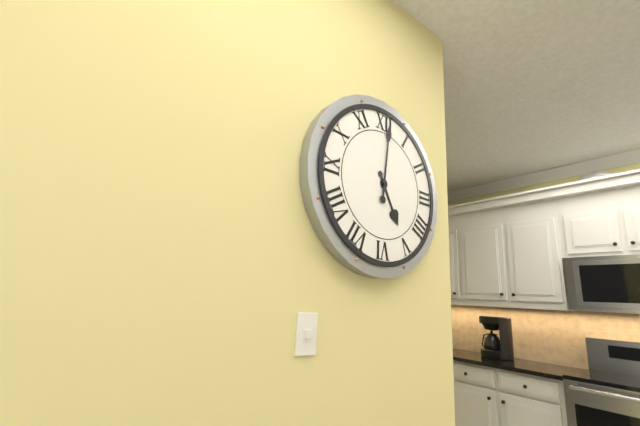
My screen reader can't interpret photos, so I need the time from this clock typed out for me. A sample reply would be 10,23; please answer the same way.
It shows 5,01
